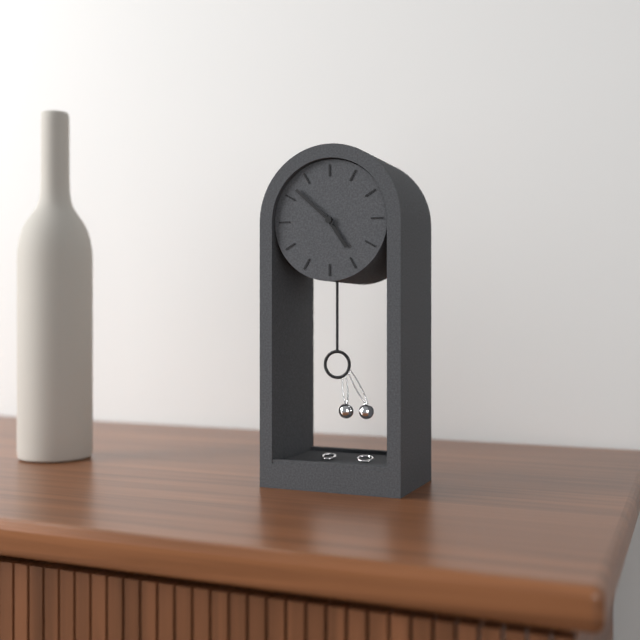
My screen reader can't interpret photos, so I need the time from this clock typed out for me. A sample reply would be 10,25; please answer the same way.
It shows 4,52
